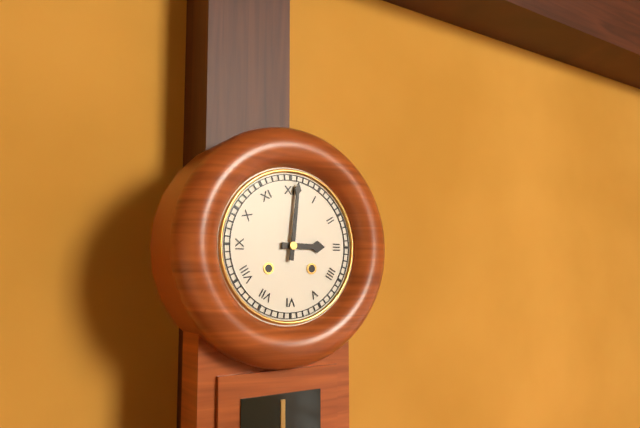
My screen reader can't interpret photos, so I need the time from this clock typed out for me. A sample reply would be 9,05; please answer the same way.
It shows 3,01
